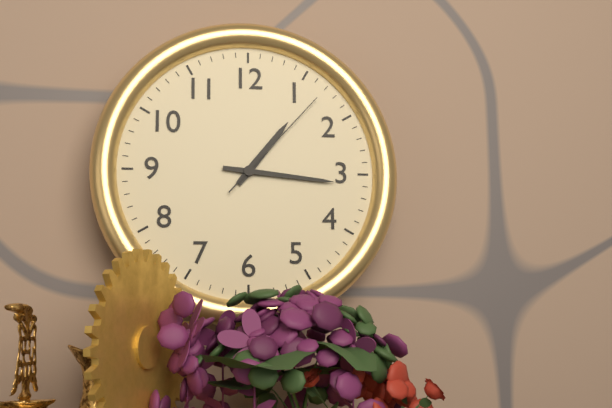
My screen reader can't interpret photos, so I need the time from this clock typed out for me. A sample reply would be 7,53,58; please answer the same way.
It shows 1,16,07
